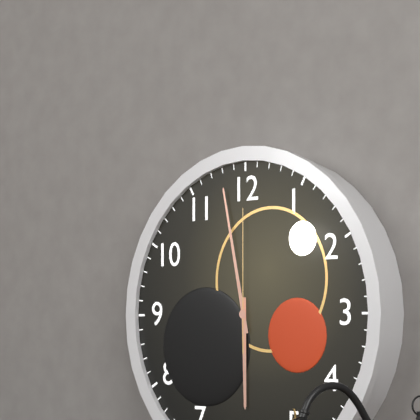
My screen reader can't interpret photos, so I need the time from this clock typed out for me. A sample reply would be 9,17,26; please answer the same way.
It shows 5,58,00
